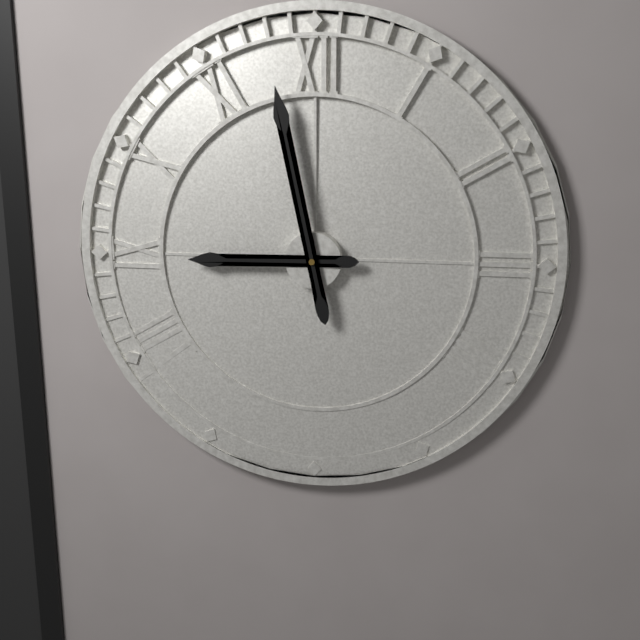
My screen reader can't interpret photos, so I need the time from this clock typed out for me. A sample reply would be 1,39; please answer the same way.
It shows 8,58
